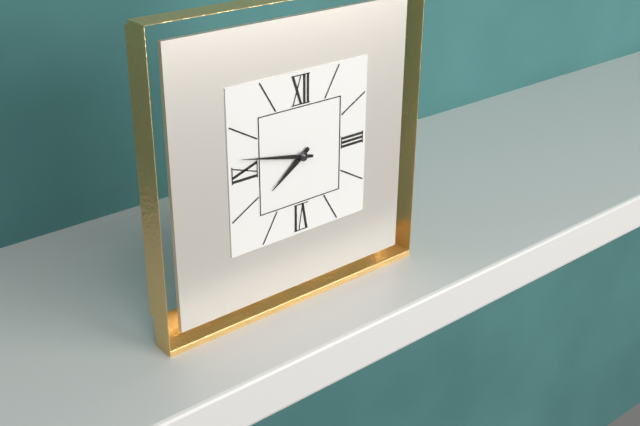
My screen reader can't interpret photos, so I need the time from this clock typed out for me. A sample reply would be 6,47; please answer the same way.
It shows 7,47
